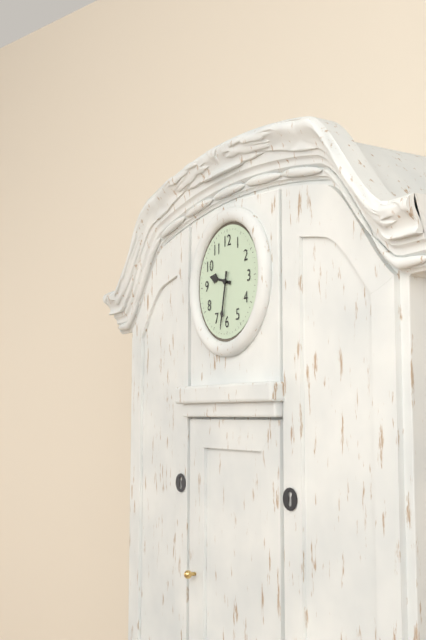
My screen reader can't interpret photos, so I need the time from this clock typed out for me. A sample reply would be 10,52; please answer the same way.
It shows 9,32
